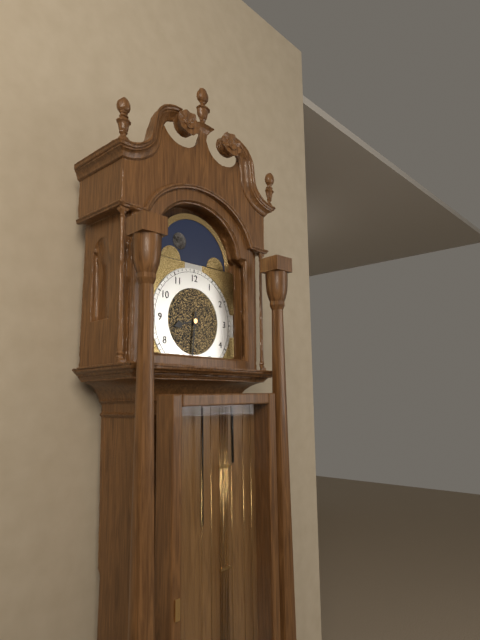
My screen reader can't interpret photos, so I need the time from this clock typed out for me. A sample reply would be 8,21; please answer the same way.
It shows 8,31
